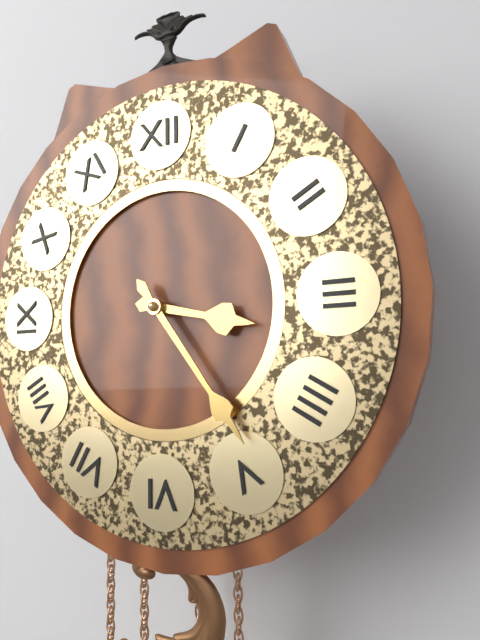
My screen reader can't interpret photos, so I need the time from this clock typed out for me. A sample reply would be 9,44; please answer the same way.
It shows 3,24
